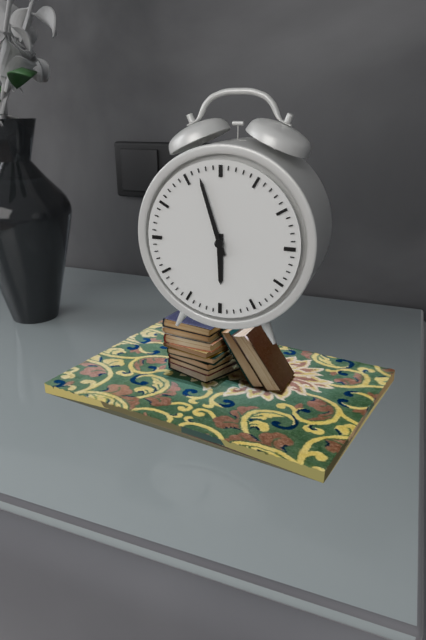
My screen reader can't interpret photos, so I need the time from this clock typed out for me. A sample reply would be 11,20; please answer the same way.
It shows 5,57
